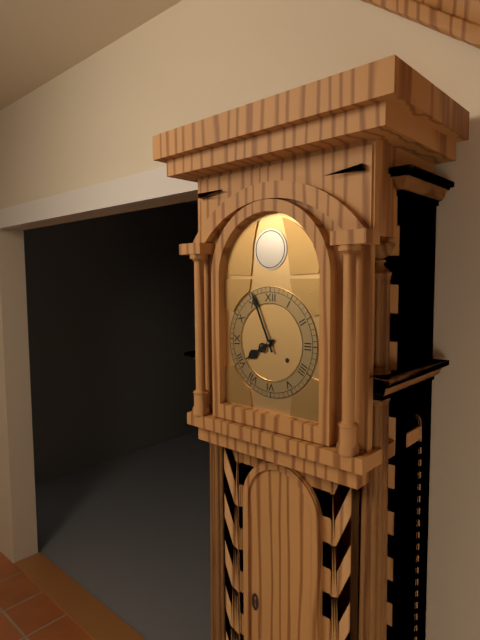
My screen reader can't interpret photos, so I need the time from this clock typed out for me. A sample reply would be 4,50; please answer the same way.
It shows 7,56
